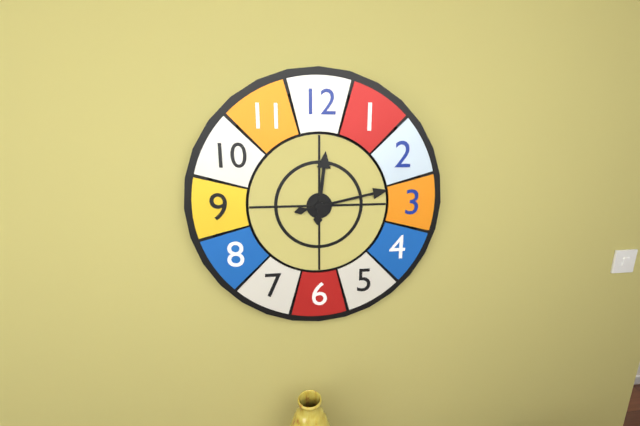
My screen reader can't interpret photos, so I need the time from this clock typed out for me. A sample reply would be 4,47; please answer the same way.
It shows 12,13
